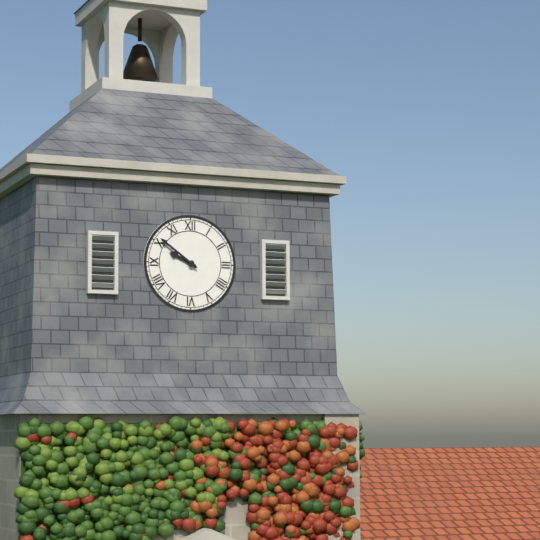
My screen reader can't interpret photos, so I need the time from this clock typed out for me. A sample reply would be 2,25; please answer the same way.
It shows 9,51
